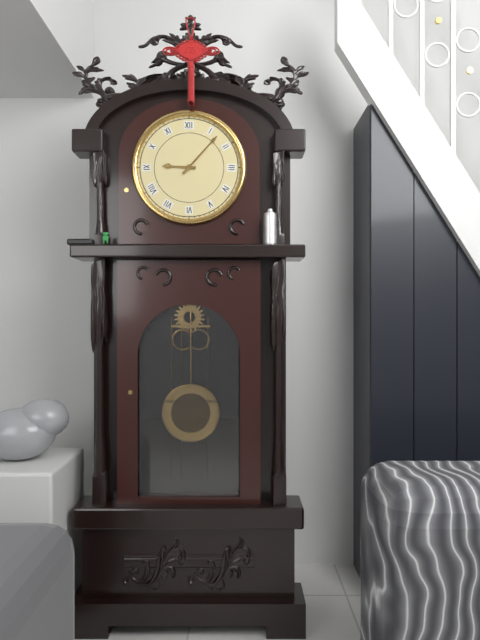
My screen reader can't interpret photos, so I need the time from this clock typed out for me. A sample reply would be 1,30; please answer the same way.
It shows 9,07
